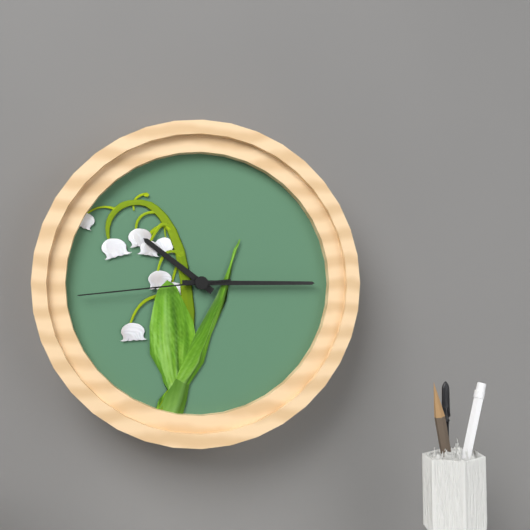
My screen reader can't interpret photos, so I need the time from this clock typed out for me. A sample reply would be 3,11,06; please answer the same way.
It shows 10,15,44
